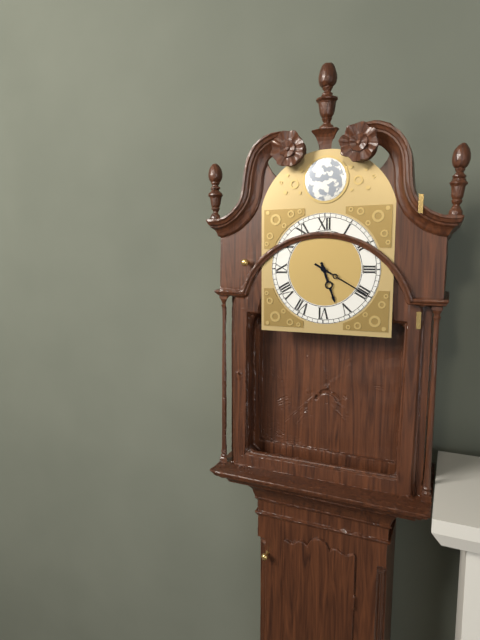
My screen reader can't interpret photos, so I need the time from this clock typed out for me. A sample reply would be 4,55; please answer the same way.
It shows 5,20
